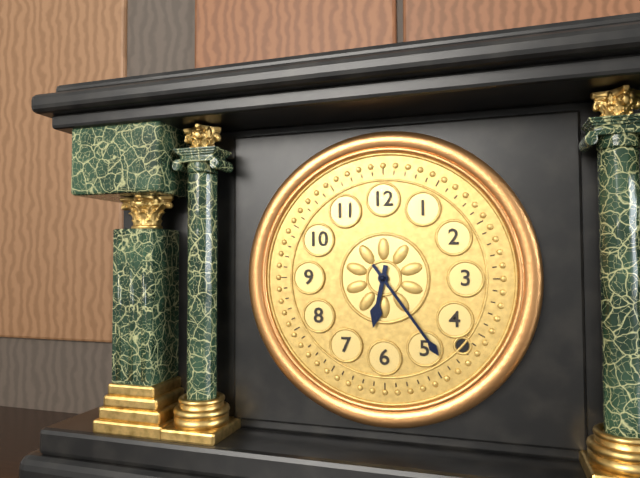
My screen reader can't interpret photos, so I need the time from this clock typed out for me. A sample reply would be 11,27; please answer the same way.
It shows 6,24
